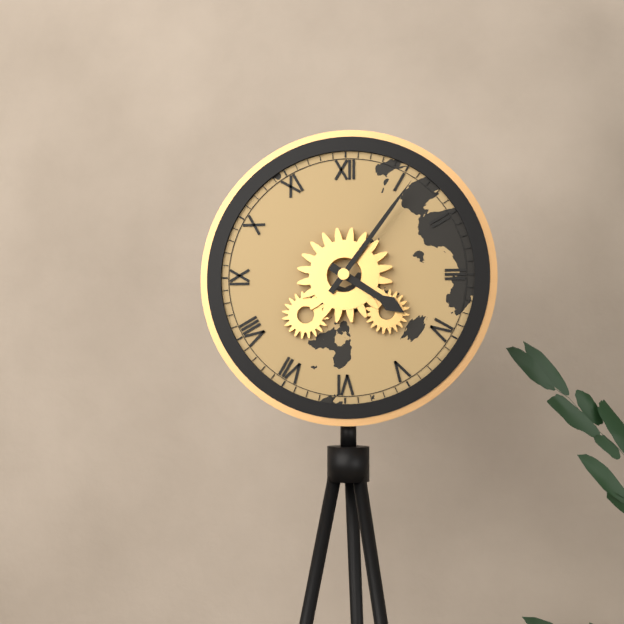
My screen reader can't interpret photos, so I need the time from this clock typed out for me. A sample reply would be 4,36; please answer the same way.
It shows 4,06
